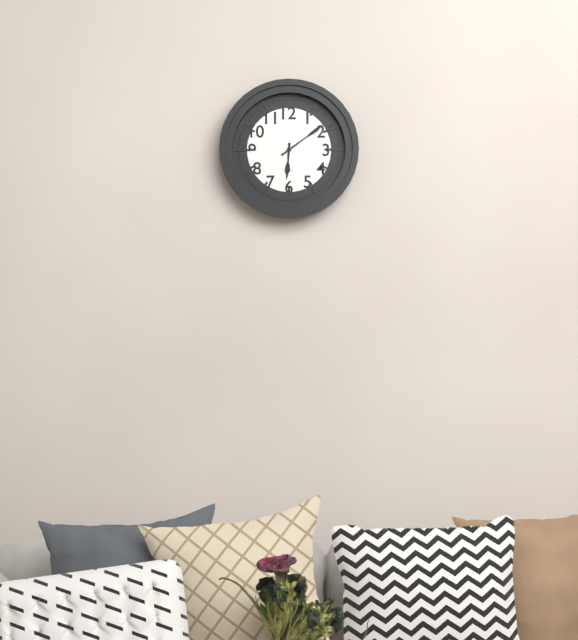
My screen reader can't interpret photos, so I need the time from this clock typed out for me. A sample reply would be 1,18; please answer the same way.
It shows 6,09
